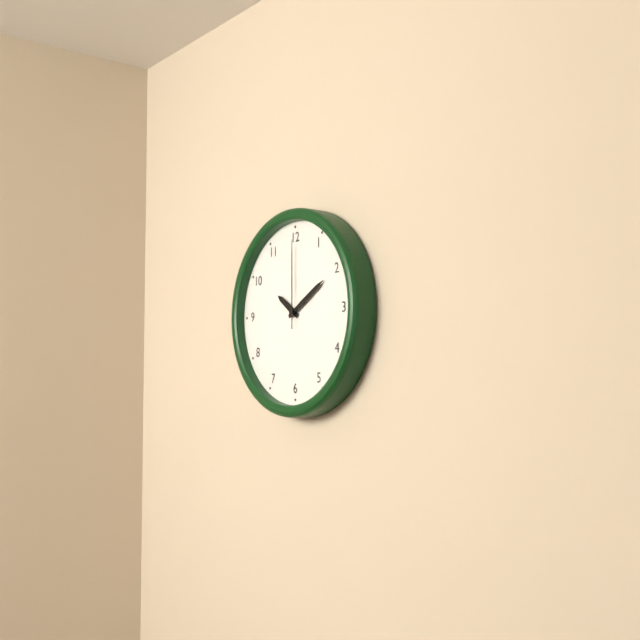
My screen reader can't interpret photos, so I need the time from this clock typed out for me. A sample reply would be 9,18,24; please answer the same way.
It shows 10,10,00
